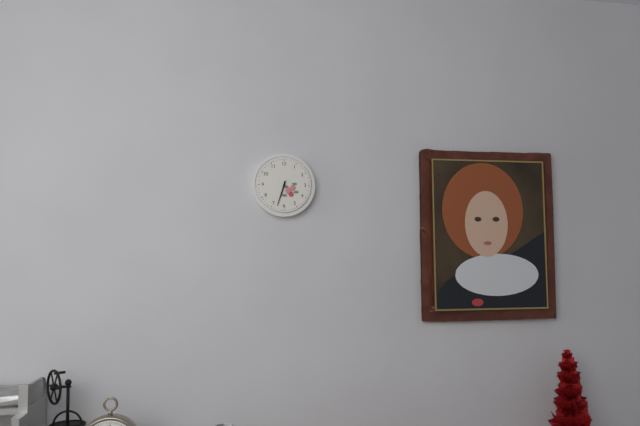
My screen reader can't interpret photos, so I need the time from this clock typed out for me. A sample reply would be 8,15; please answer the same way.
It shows 6,33
